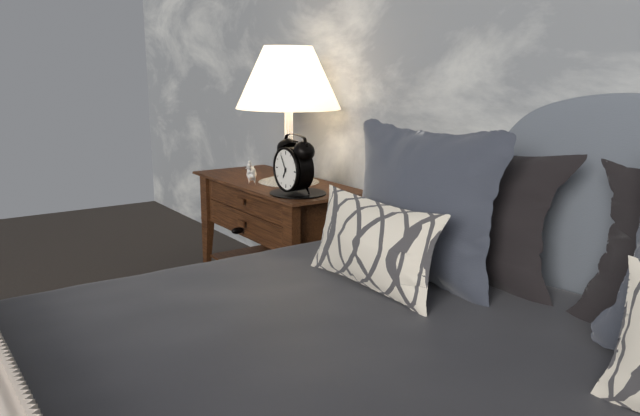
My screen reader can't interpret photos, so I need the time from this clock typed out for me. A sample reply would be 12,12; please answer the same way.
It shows 6,55
